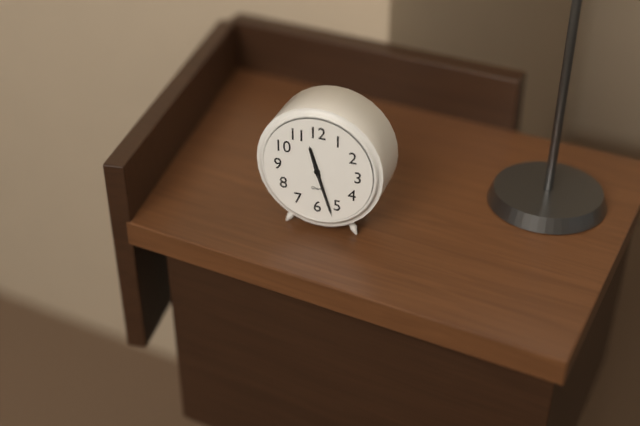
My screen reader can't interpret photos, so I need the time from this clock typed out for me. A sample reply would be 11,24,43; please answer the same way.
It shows 11,27,27
